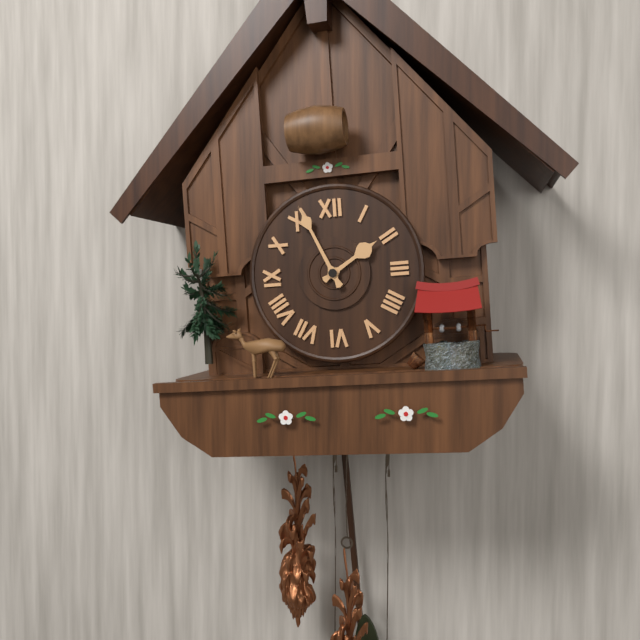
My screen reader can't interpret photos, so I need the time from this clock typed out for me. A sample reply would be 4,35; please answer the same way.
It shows 1,56
